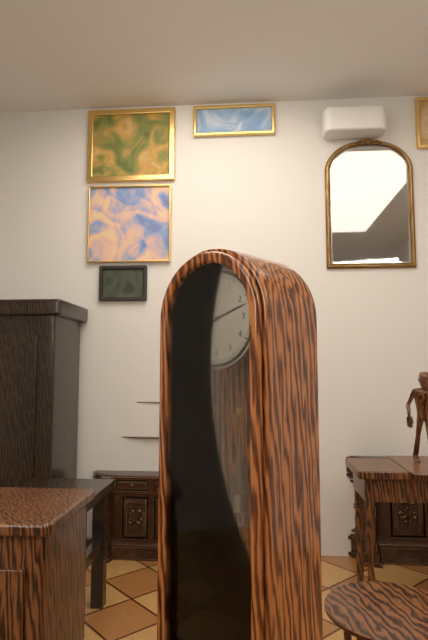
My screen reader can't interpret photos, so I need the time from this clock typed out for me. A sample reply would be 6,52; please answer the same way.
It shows 8,12
